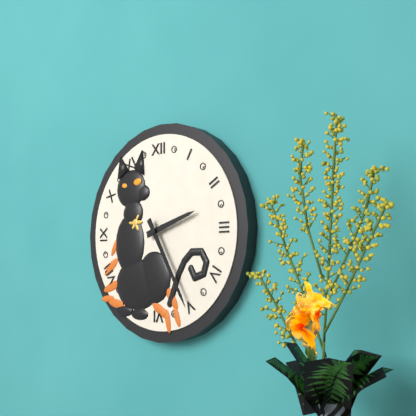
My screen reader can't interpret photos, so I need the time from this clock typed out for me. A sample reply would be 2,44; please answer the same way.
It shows 2,25
